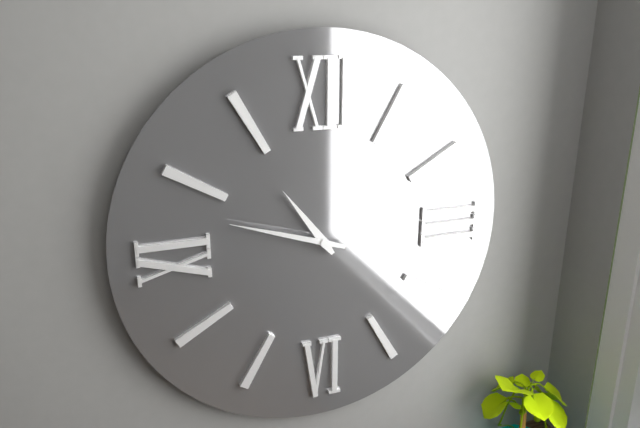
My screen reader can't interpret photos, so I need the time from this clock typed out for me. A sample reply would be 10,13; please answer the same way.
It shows 10,48
